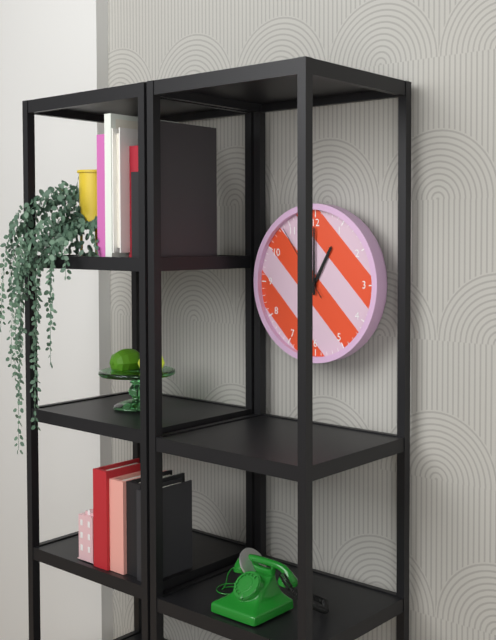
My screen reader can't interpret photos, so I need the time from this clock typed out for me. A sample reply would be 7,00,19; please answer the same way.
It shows 1,00,54
